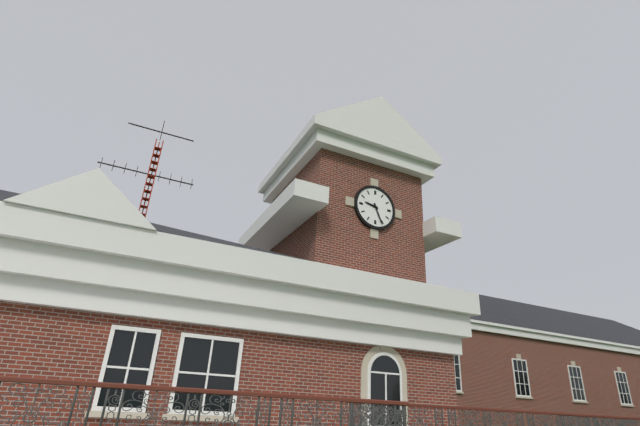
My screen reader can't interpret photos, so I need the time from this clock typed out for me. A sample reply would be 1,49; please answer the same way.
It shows 9,26
